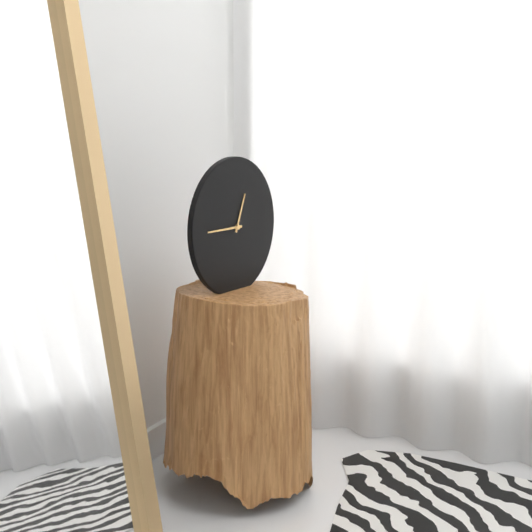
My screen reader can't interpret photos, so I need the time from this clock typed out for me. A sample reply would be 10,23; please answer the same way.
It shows 12,45
